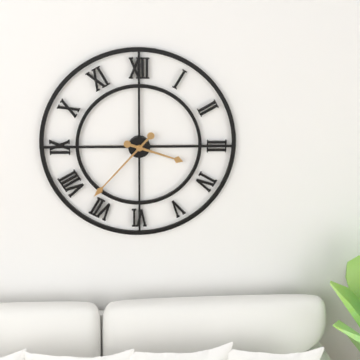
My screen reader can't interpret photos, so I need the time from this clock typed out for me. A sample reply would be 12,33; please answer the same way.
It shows 3,37
